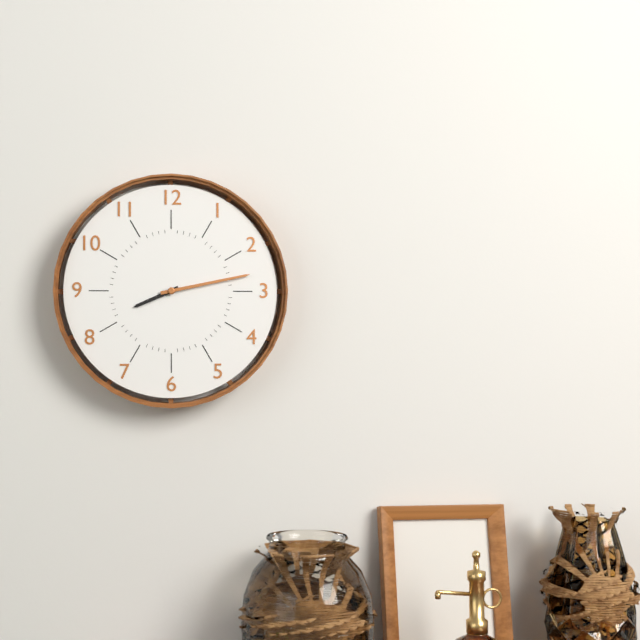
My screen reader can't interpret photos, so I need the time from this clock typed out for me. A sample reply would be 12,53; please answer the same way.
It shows 8,13
